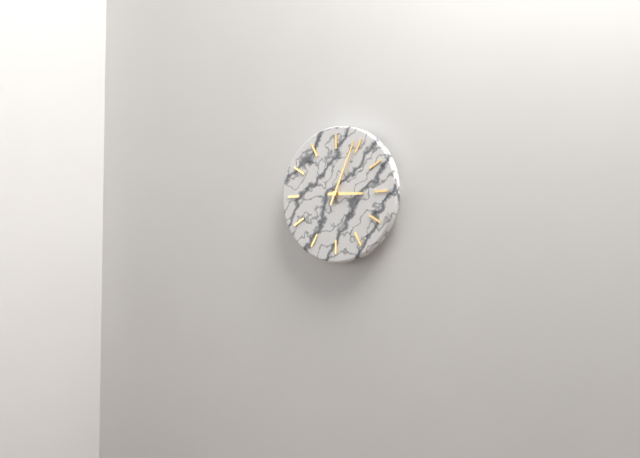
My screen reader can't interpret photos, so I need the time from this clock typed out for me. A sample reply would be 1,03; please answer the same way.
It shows 3,04
